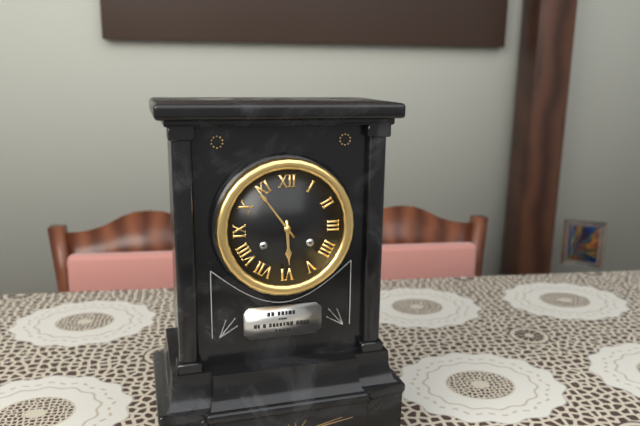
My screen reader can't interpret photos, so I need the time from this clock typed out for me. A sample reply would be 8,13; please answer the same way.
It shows 5,54
